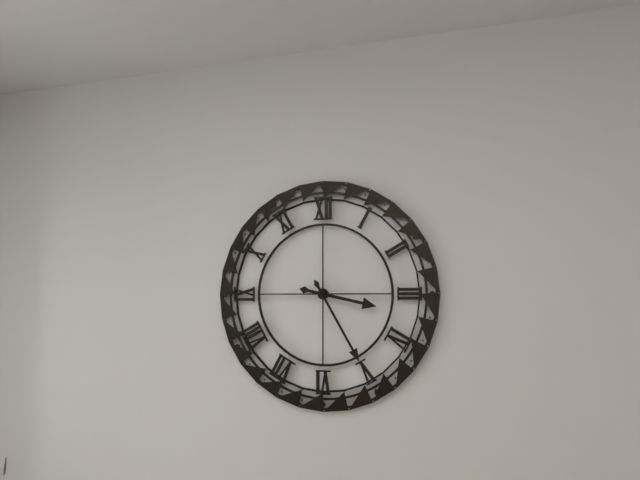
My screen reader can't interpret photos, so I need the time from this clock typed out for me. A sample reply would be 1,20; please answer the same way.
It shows 3,25
